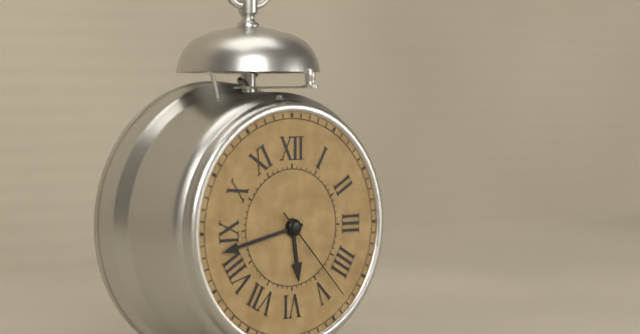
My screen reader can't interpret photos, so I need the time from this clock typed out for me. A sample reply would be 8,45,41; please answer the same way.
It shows 5,43,23
